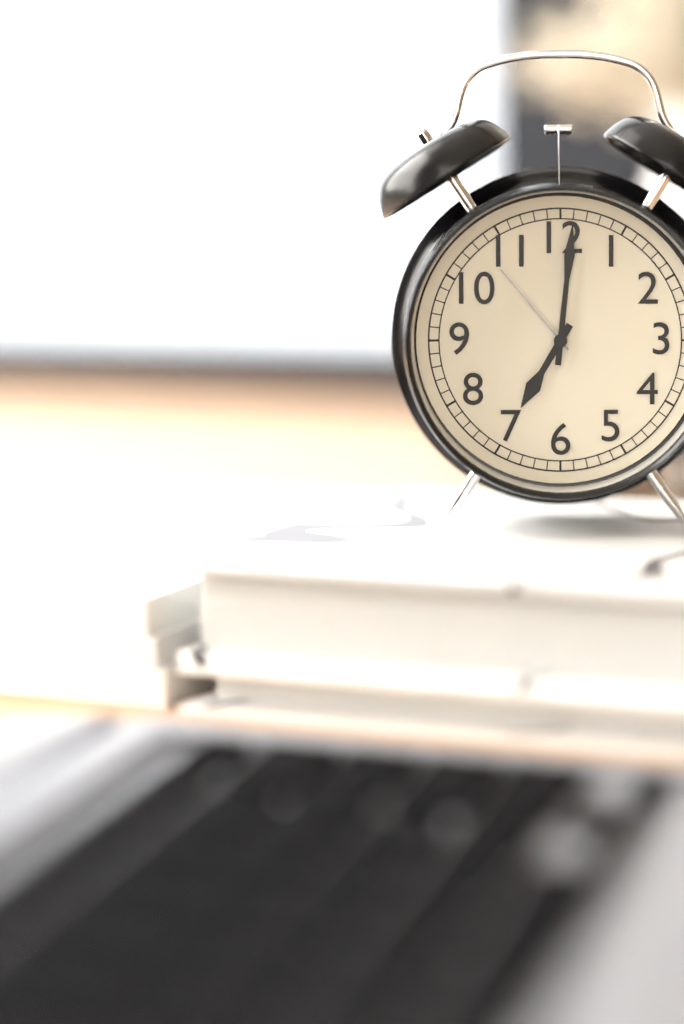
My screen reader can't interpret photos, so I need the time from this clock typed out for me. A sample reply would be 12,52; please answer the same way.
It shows 7,01
